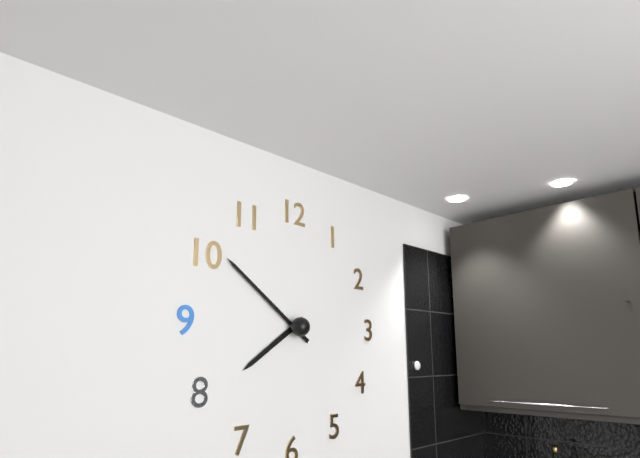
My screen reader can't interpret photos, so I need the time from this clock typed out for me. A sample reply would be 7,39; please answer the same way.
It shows 7,51
